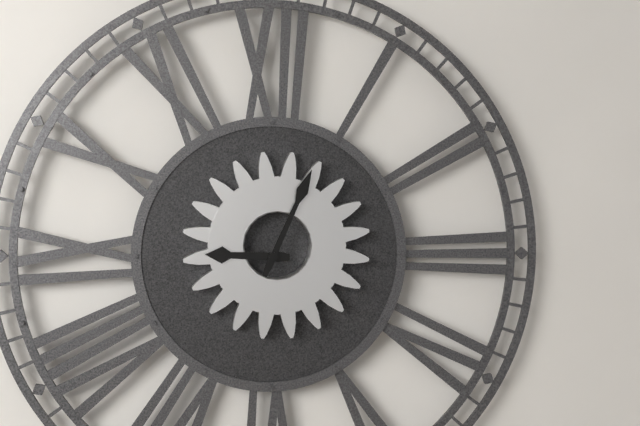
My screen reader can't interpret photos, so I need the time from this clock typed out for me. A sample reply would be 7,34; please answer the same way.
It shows 9,04
